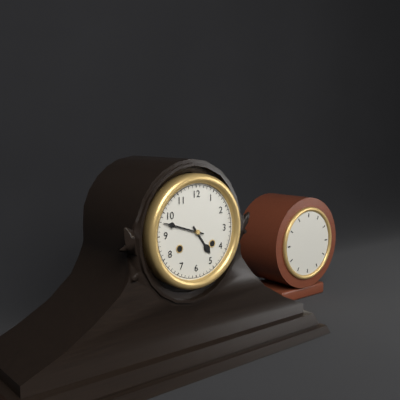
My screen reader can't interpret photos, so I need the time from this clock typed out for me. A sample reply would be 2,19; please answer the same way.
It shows 4,48
